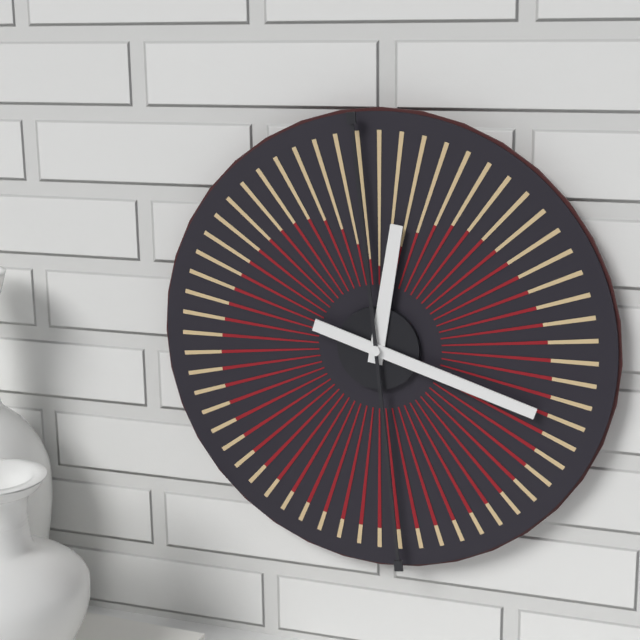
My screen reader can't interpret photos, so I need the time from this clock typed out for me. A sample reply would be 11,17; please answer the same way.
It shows 12,18
